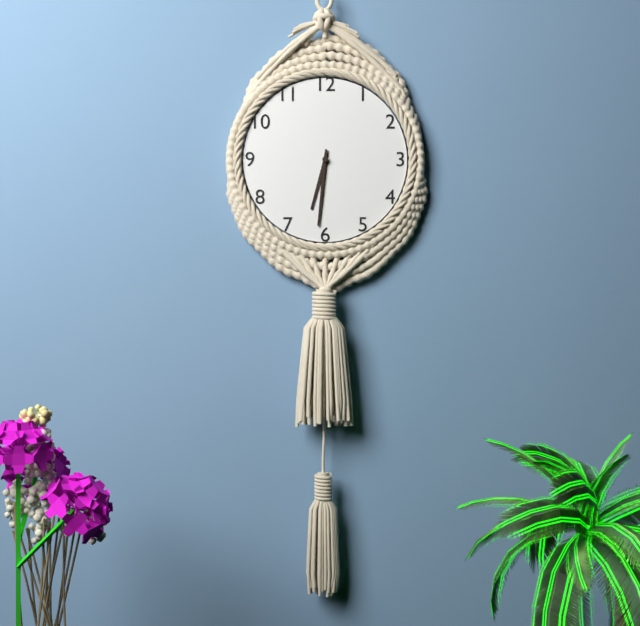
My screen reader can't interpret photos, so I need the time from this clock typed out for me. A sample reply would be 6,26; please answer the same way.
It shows 6,31
